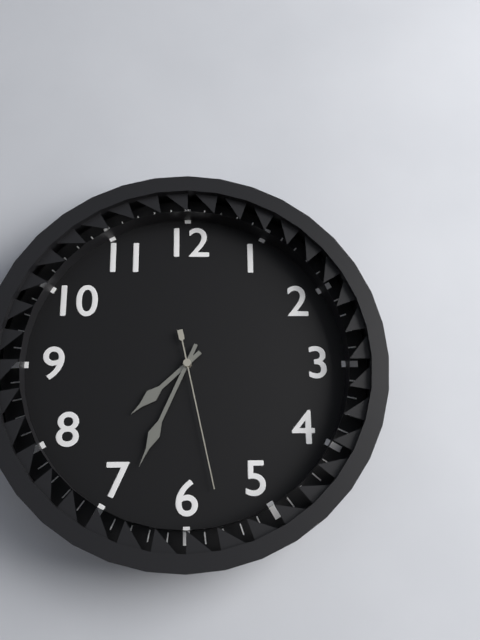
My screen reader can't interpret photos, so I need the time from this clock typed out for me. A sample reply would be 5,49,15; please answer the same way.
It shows 7,34,28
